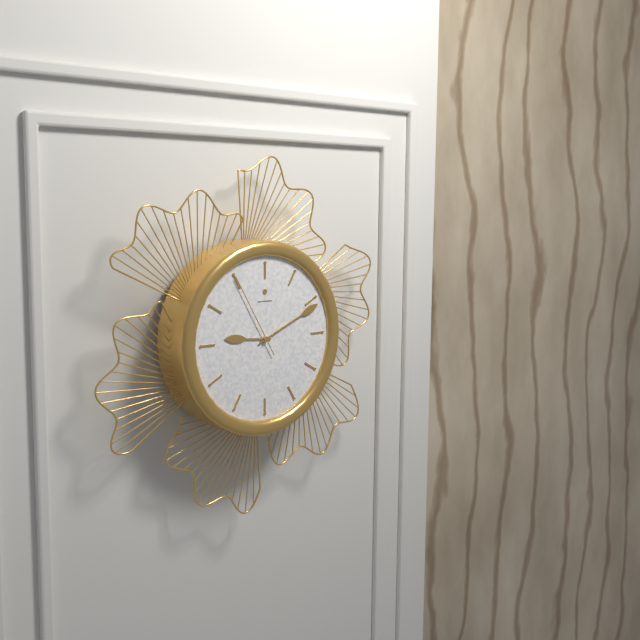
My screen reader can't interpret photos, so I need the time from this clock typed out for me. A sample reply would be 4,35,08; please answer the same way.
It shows 9,11,55
